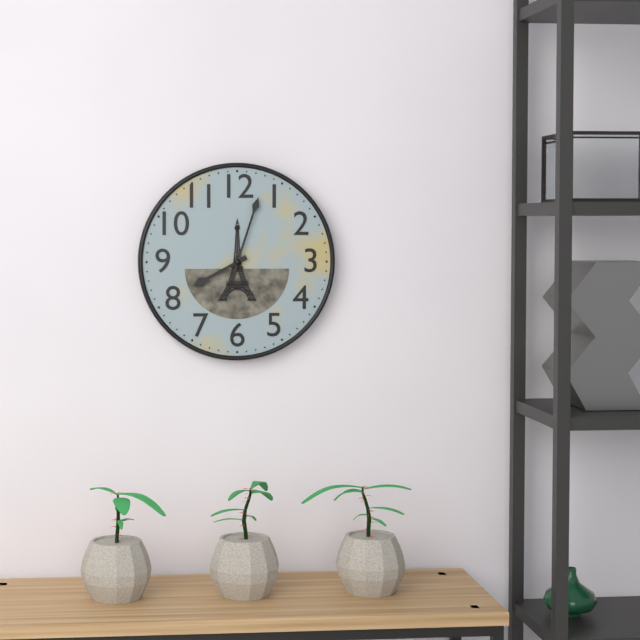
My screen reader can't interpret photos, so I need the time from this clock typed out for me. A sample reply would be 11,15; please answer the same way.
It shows 8,03
